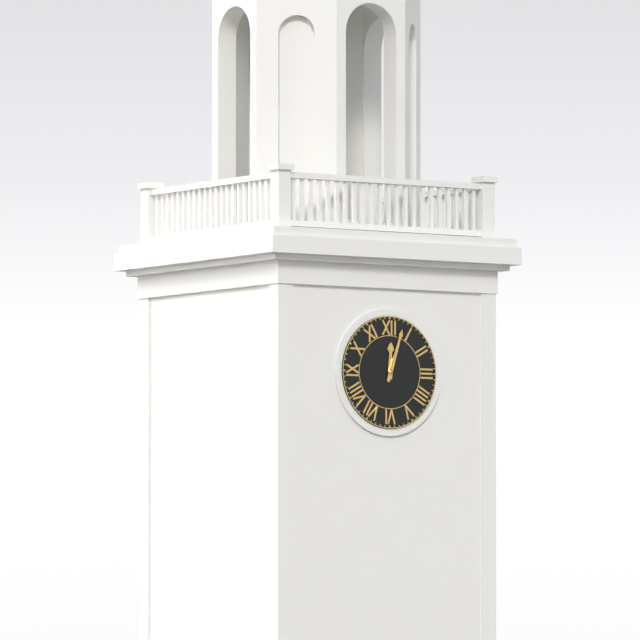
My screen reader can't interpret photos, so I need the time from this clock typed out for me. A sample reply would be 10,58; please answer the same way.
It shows 12,03
